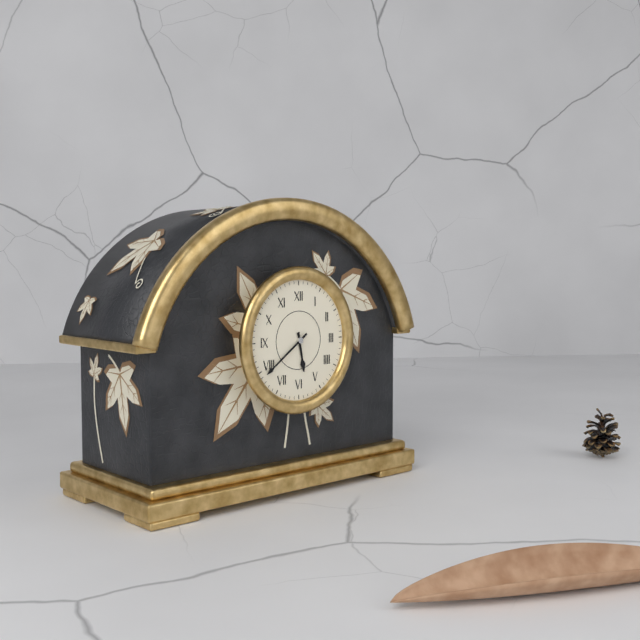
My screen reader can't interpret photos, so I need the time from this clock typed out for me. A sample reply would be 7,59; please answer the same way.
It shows 5,39
